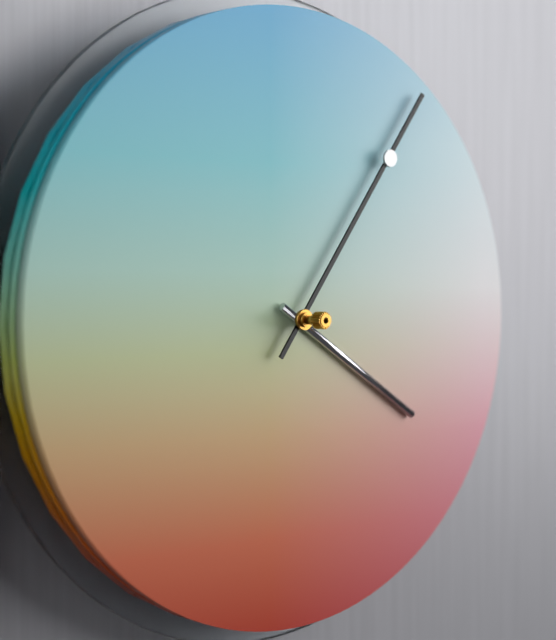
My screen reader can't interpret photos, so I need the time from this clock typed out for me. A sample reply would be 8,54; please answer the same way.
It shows 4,06
